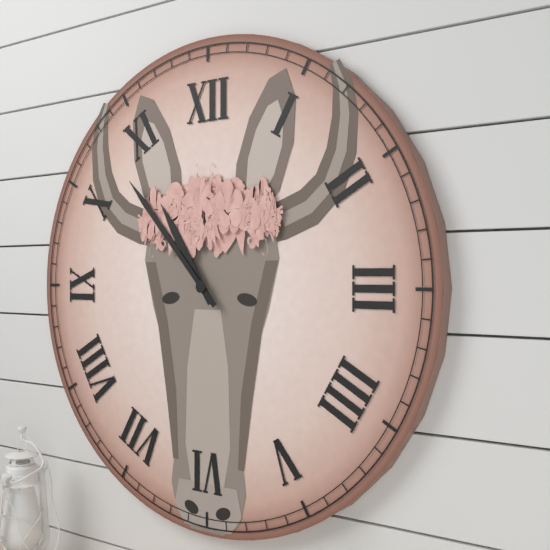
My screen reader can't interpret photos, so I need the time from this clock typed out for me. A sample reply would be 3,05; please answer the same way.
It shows 10,53
